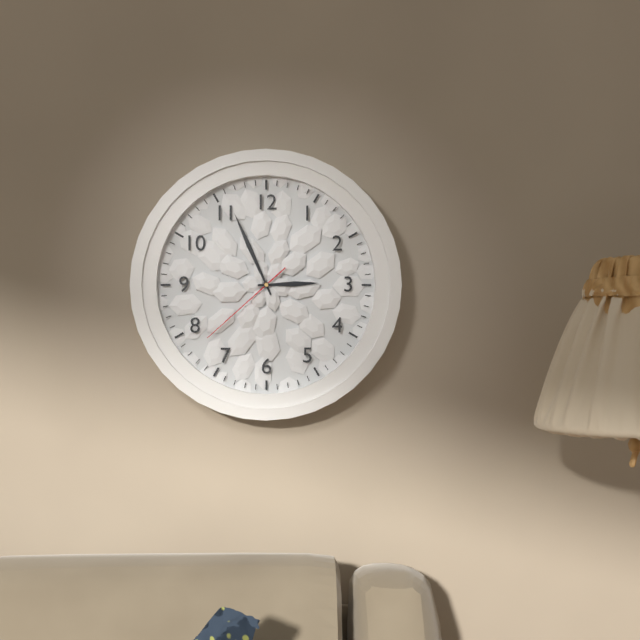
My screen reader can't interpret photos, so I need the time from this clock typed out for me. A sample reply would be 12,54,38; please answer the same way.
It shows 2,56,38
